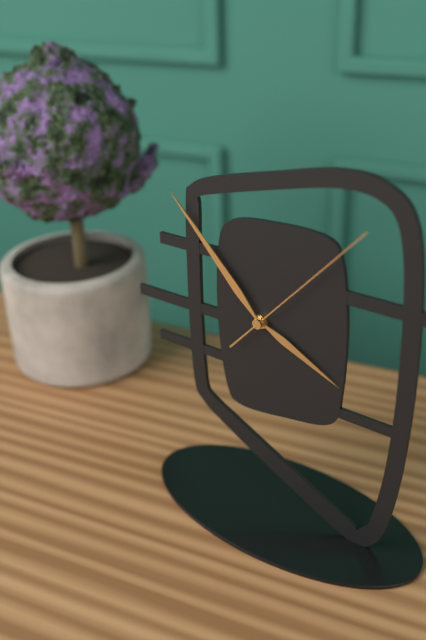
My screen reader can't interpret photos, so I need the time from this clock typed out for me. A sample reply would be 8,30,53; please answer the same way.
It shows 3,53,07
